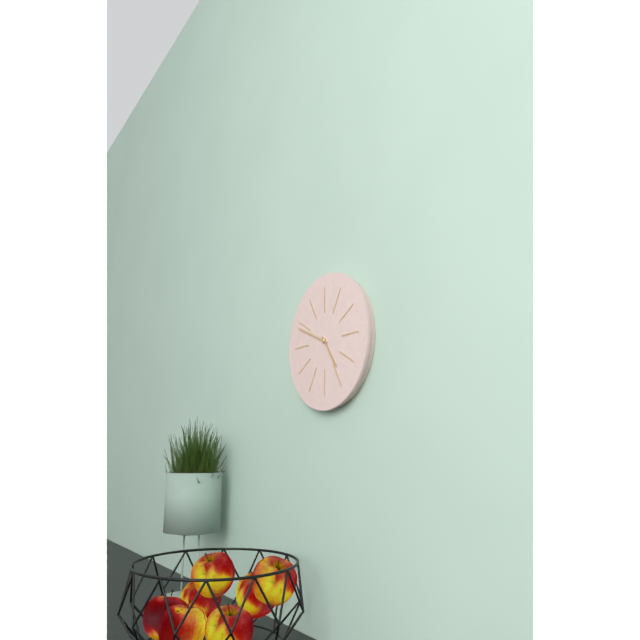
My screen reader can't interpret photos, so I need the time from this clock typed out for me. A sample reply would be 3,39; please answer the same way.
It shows 4,49
